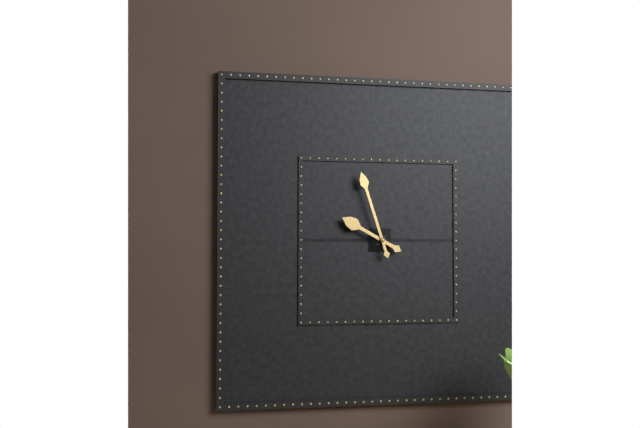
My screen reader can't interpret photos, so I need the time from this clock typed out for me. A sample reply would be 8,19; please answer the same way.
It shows 9,57
